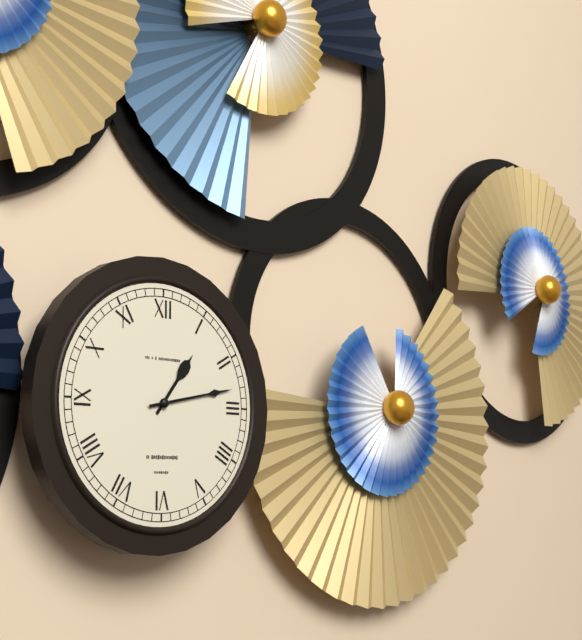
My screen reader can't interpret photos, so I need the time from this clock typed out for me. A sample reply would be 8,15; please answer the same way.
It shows 1,13
